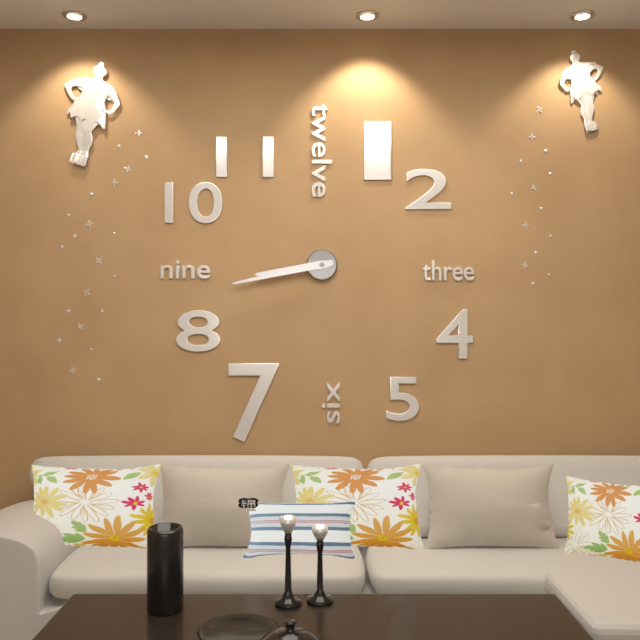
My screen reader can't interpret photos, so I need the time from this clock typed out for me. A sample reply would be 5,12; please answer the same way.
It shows 8,43
